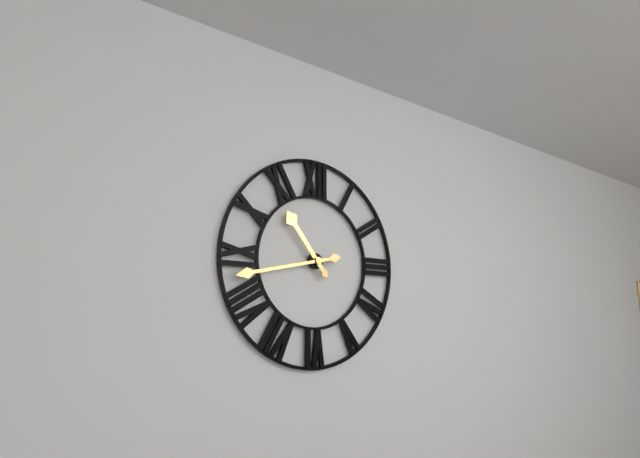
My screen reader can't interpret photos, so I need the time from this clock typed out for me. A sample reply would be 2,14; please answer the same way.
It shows 10,43
